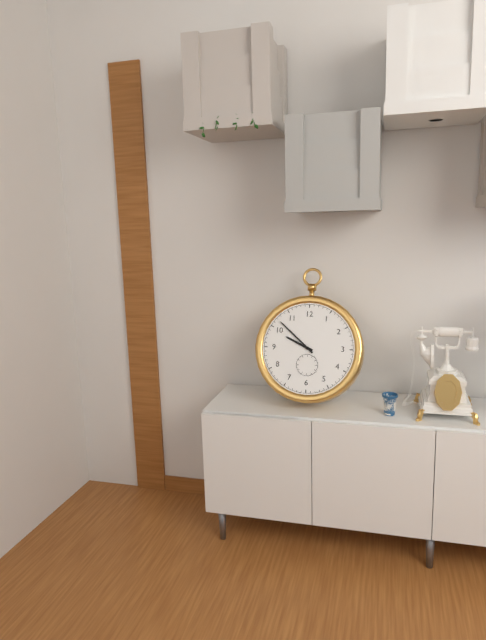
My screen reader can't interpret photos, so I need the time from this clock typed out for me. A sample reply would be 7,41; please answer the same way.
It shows 9,52
